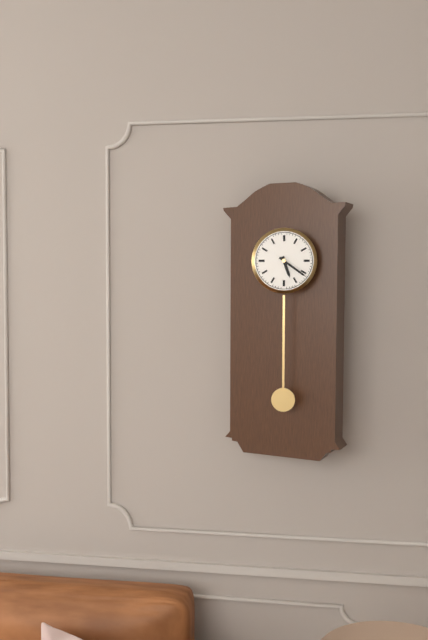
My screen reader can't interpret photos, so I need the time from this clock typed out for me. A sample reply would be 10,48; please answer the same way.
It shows 5,21
